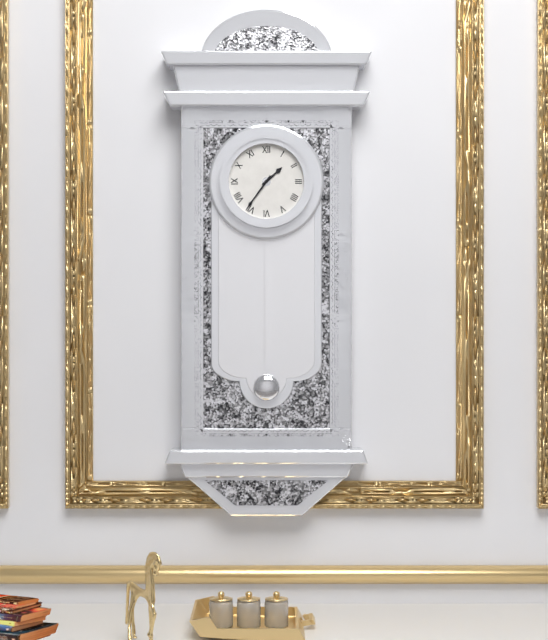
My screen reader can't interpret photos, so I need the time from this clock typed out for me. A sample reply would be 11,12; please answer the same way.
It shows 1,36
